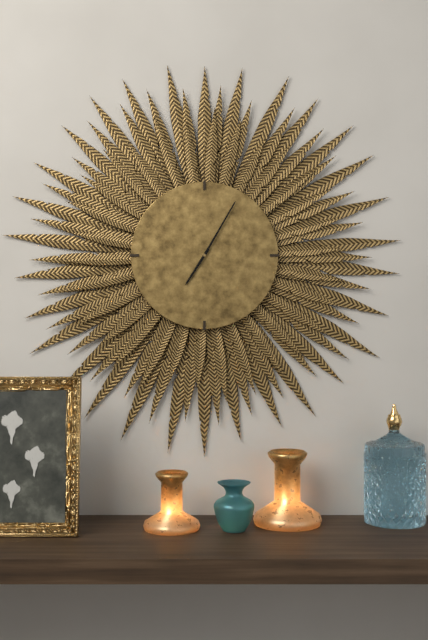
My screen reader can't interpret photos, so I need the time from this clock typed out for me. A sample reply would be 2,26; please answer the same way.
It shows 7,05
